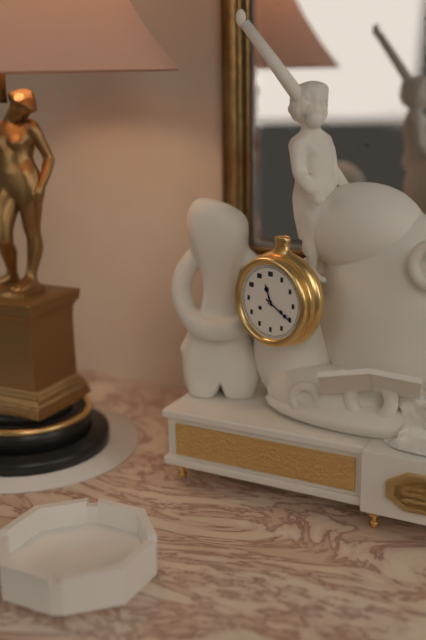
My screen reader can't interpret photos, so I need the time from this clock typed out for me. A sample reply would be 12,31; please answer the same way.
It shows 11,20
